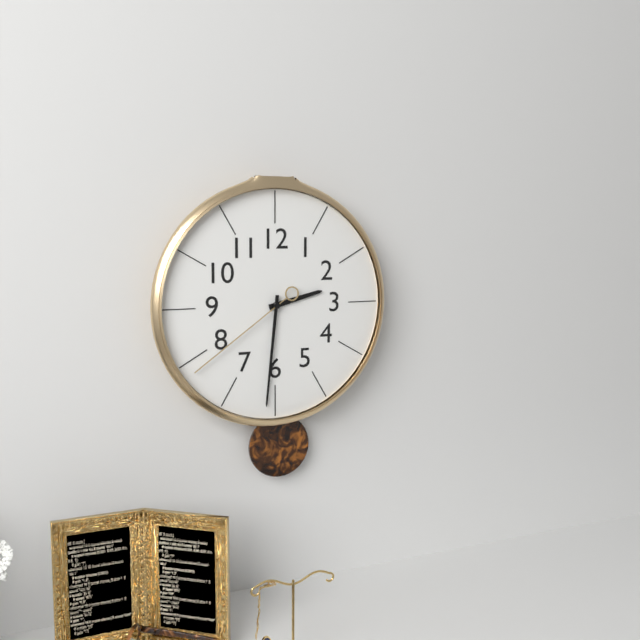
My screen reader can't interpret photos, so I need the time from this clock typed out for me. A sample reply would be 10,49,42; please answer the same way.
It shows 2,31,39
